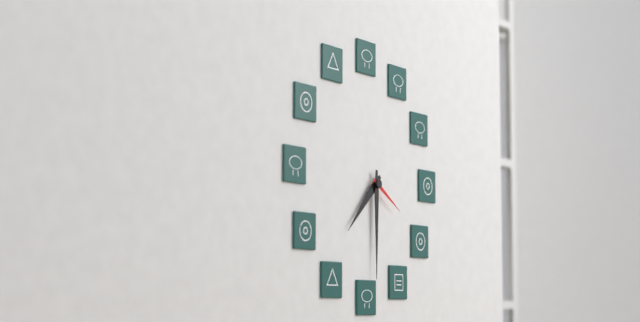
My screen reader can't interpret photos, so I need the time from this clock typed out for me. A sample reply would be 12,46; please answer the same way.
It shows 7,30
